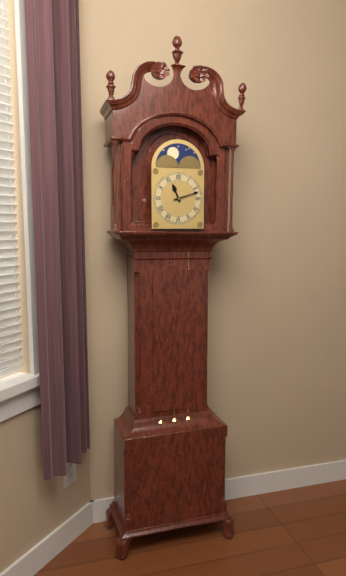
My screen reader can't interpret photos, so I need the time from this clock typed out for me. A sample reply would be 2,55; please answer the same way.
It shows 11,12
